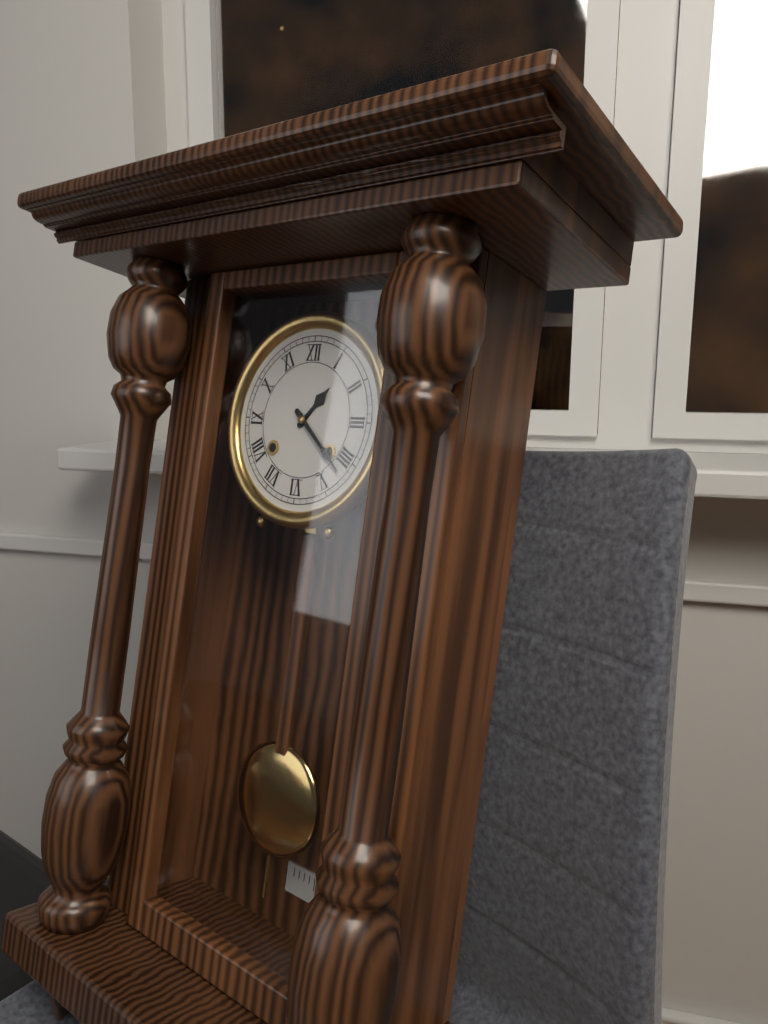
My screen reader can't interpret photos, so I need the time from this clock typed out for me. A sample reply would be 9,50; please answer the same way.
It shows 1,22
